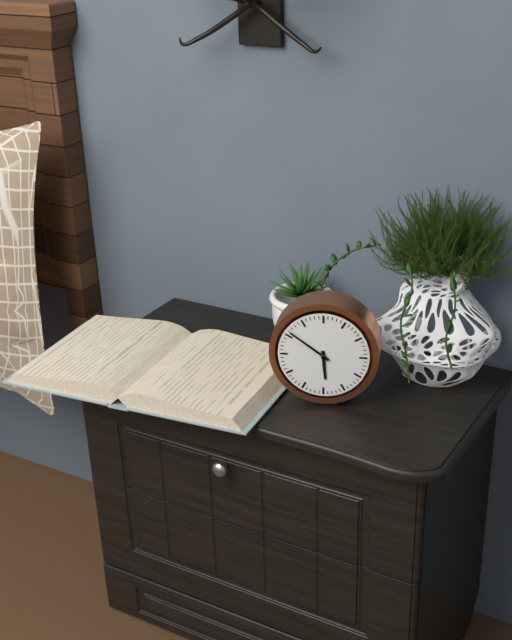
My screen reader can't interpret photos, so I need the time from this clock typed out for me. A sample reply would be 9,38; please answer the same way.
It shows 5,51
